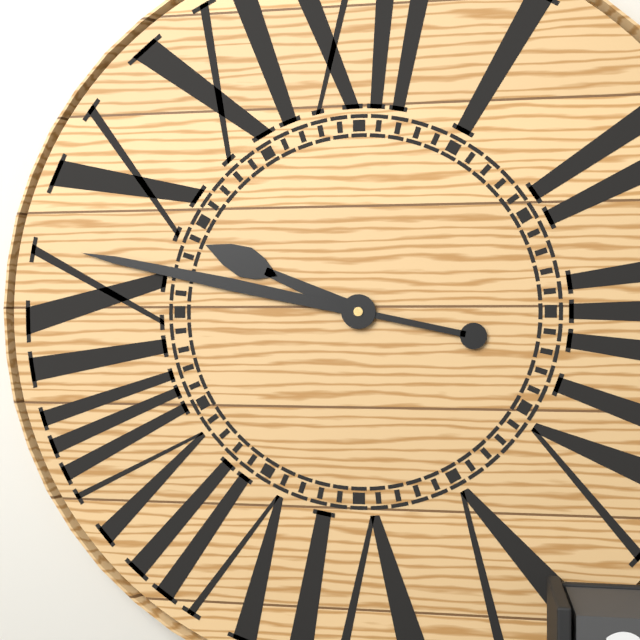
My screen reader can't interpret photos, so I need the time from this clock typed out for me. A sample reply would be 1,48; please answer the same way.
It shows 9,47
